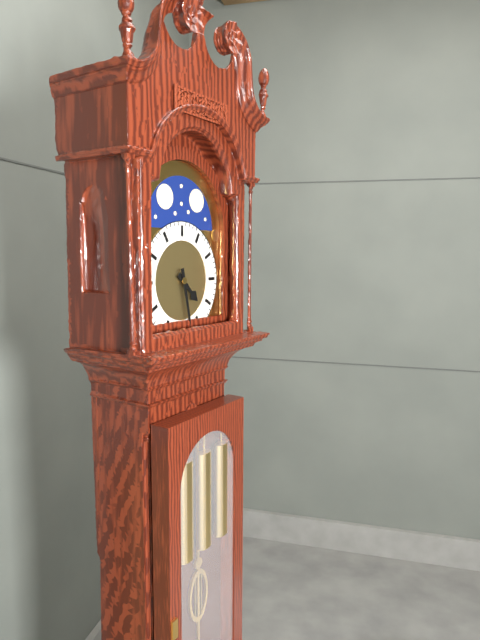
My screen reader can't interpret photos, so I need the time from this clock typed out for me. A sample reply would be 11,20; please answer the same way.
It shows 4,28
